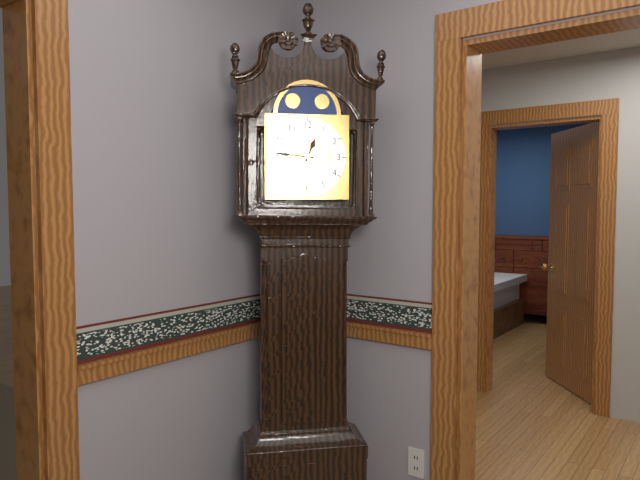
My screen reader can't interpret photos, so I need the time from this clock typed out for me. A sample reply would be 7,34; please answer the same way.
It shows 12,46
